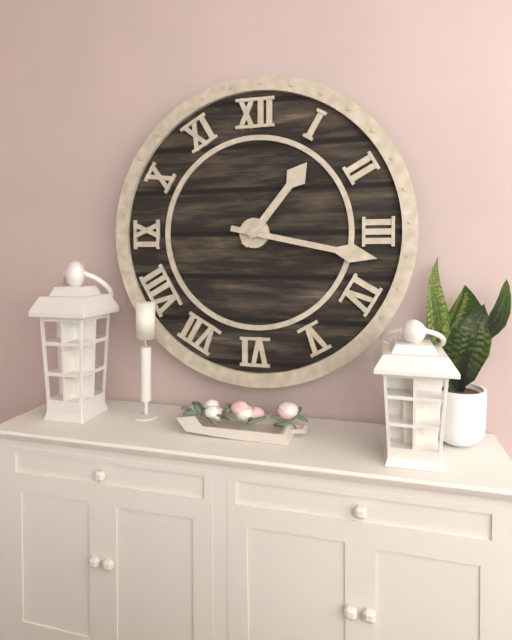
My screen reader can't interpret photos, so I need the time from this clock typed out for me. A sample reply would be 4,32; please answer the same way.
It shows 1,17
